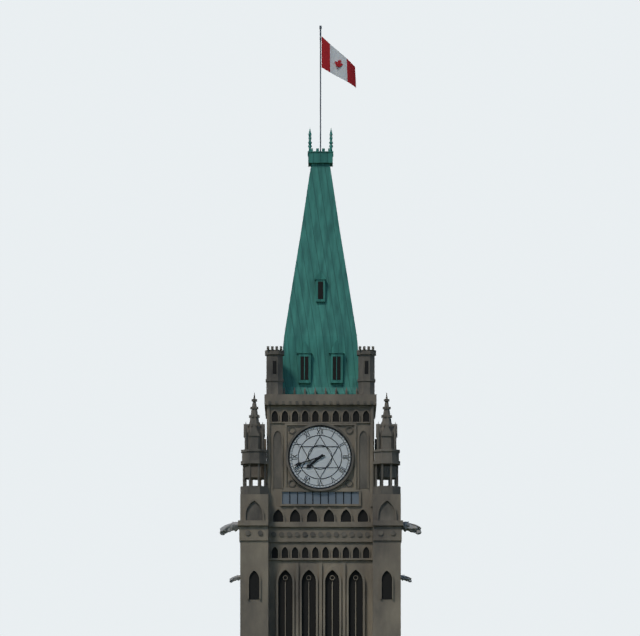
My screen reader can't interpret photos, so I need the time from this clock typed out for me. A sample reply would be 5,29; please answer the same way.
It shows 7,42
